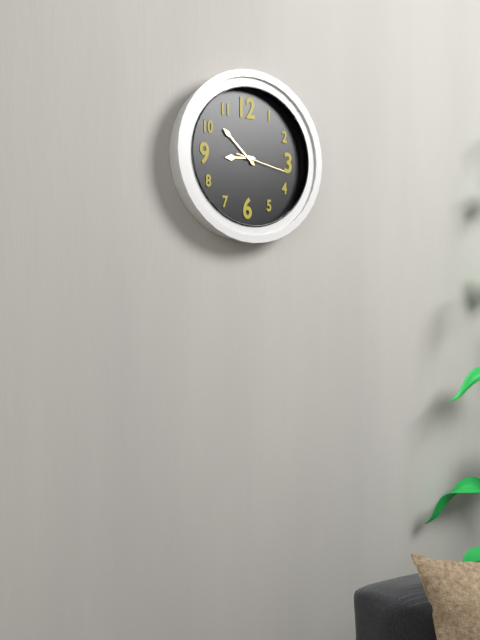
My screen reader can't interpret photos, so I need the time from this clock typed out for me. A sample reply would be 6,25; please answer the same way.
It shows 8,52
